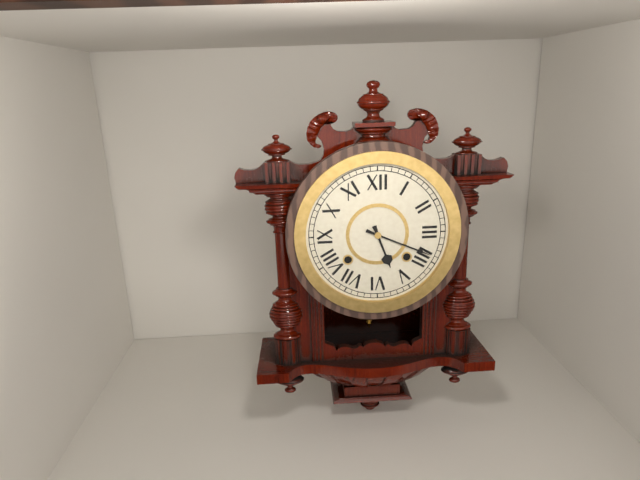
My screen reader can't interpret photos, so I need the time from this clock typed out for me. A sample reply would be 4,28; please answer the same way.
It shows 5,19
